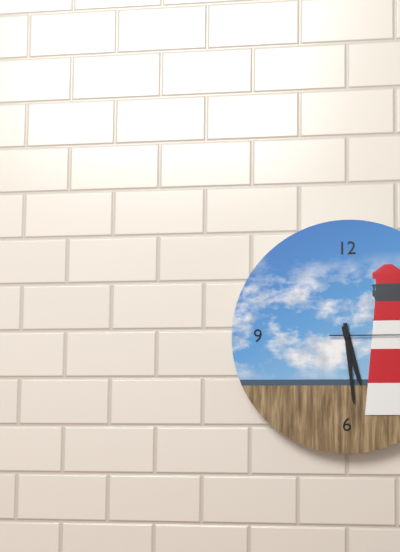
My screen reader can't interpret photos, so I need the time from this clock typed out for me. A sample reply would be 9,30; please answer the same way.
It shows 5,29
